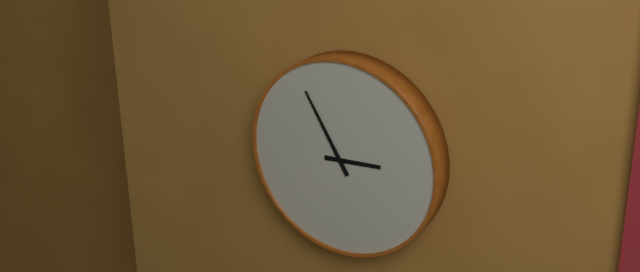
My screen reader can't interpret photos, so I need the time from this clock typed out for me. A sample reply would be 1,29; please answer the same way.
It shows 2,55
